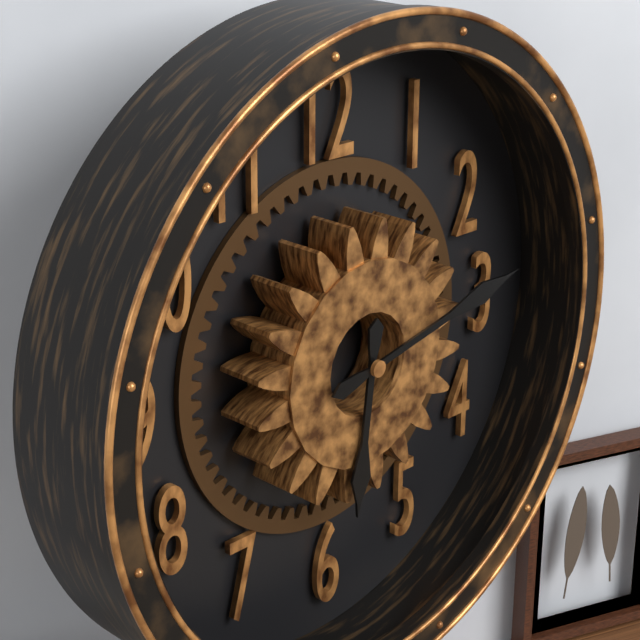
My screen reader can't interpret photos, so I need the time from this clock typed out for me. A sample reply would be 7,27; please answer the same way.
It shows 6,13
